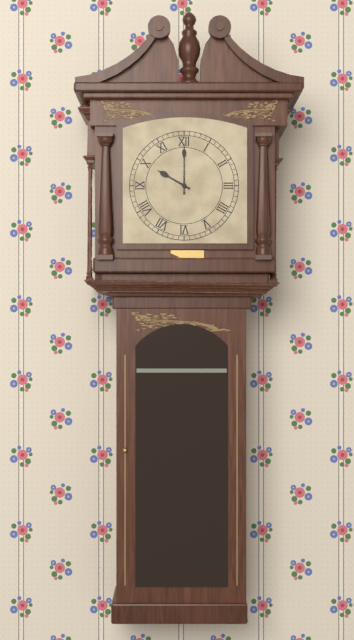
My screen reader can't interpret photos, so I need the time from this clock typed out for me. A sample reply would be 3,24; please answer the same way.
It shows 10,00
